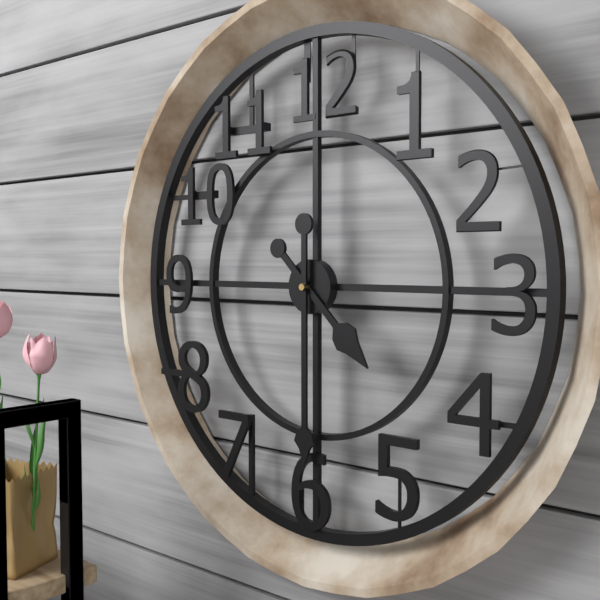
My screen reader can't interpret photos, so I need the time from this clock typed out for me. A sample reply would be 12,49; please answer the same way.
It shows 4,30
